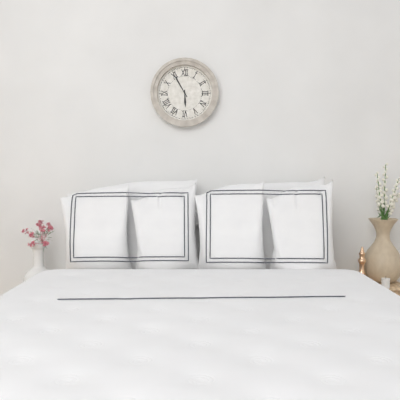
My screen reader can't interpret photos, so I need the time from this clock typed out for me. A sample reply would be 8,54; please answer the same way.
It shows 5,55
